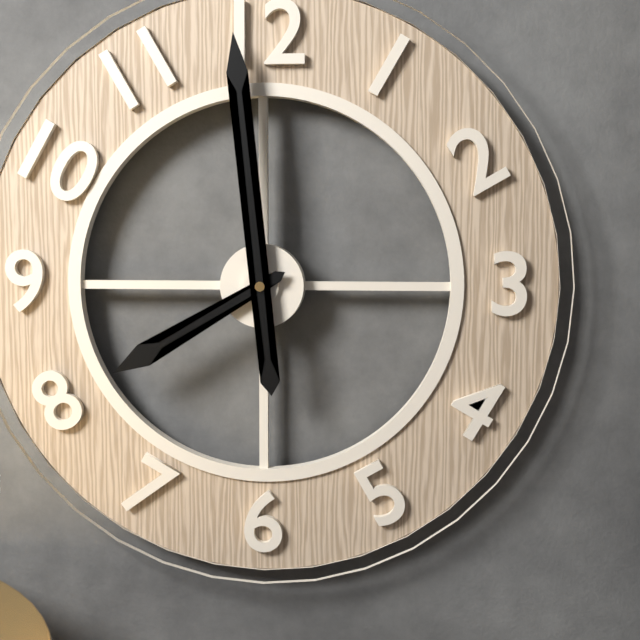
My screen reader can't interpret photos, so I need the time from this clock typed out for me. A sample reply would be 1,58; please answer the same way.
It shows 7,59
